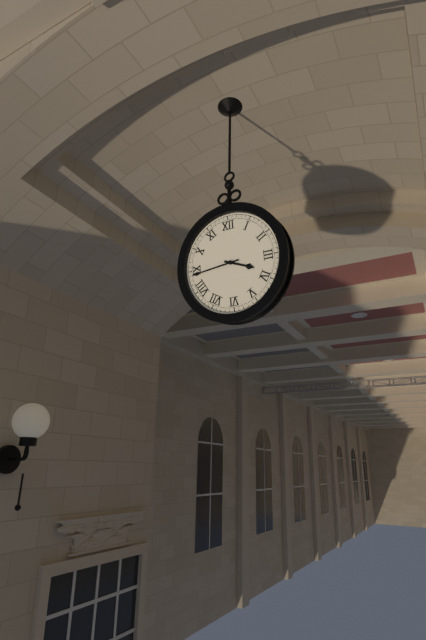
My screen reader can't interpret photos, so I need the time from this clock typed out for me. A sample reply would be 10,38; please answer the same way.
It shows 3,44
